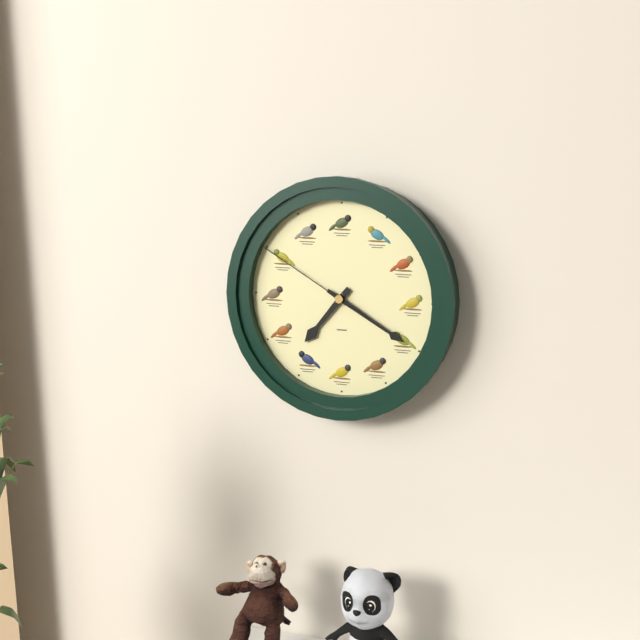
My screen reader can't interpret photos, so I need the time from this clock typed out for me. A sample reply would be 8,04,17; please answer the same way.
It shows 7,20,50
